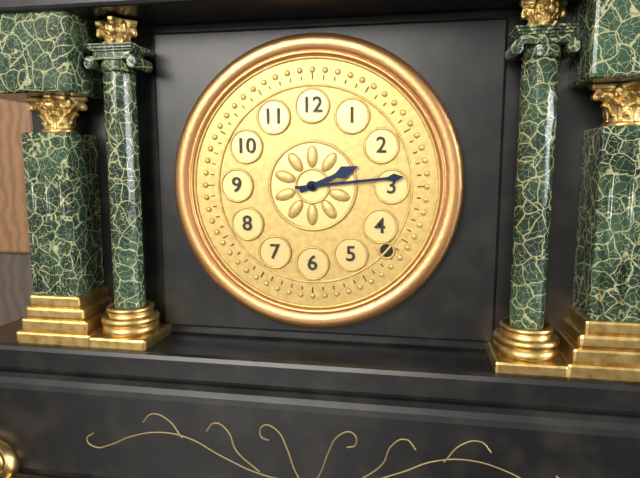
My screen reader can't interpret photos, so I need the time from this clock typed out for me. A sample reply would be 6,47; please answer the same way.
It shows 2,14
